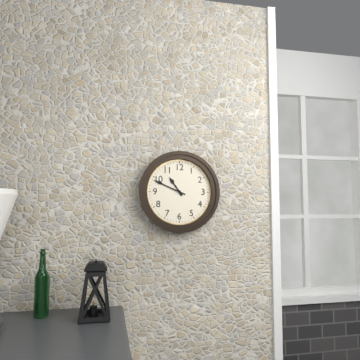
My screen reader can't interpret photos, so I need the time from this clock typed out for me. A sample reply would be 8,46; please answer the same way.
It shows 10,49
